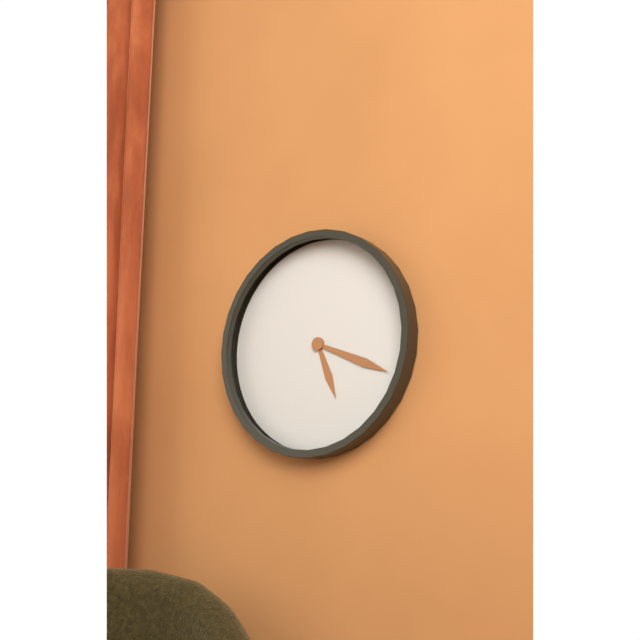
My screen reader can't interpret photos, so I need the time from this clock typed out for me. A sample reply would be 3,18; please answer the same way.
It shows 5,19
